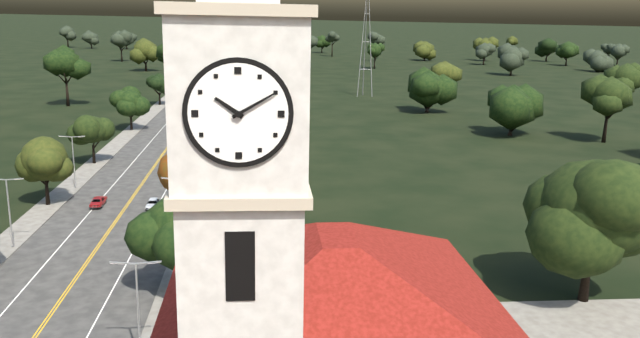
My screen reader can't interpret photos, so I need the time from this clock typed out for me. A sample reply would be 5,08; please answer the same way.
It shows 10,10
